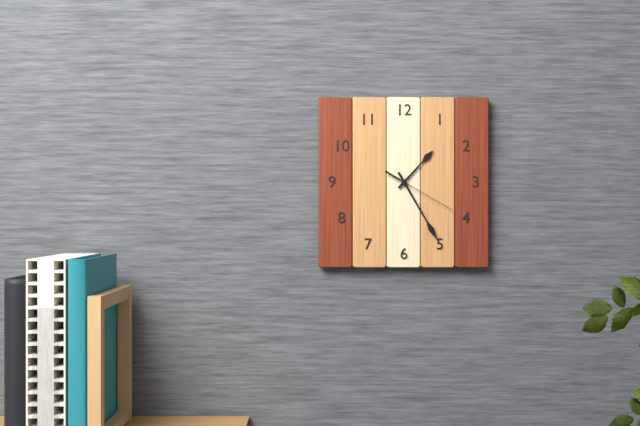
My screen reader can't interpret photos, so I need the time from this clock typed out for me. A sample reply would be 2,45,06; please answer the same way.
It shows 1,25,20
